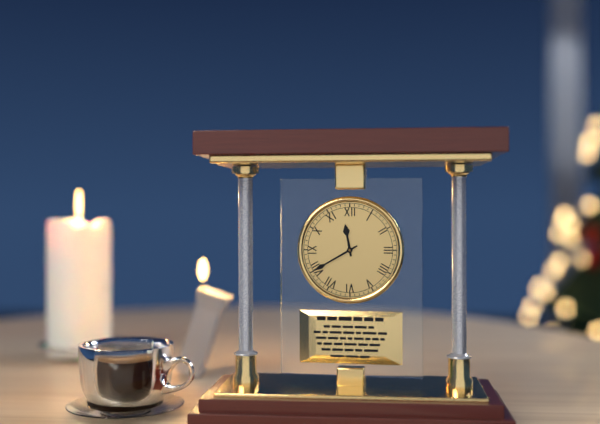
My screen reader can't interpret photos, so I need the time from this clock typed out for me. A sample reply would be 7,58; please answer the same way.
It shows 11,40
